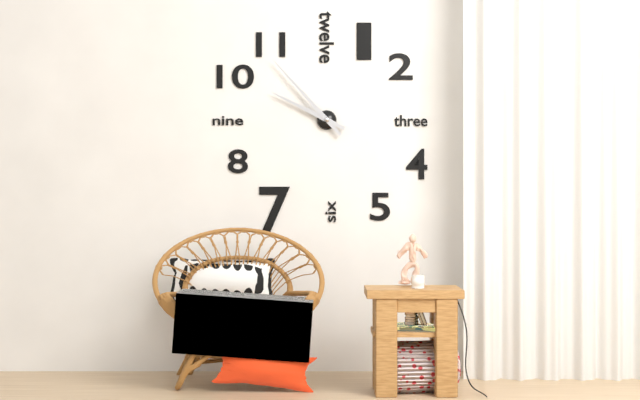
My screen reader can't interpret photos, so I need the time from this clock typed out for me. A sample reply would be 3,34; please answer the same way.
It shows 9,53
